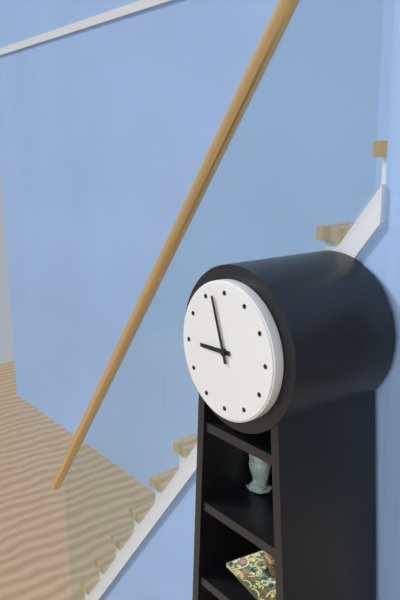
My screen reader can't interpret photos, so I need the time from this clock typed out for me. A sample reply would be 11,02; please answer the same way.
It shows 8,57
